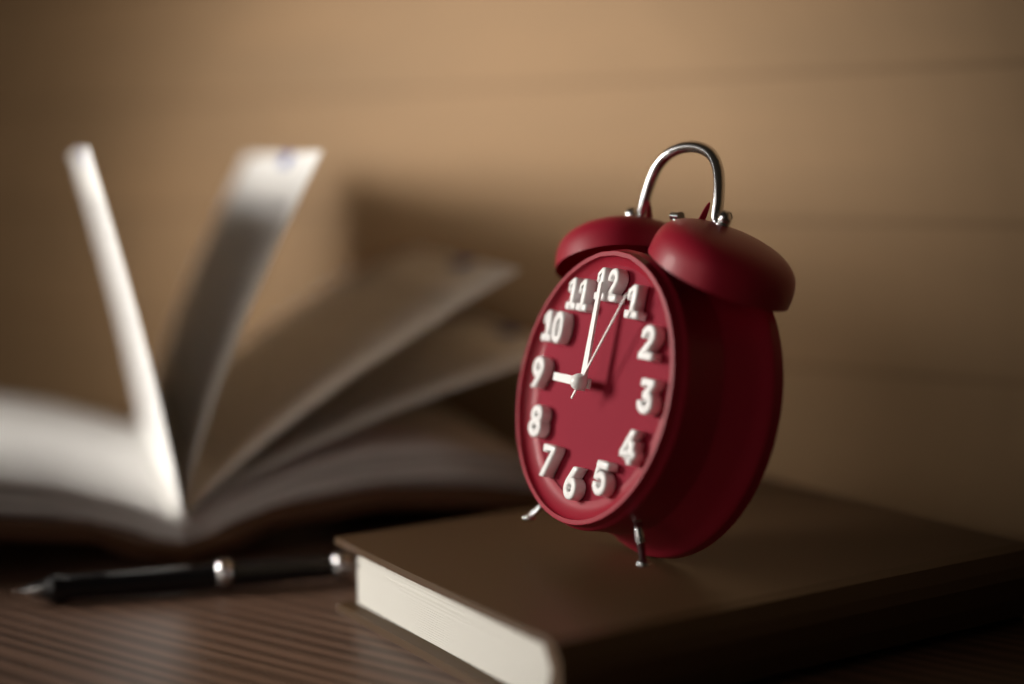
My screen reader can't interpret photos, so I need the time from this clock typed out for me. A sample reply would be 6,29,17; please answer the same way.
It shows 9,00,05
